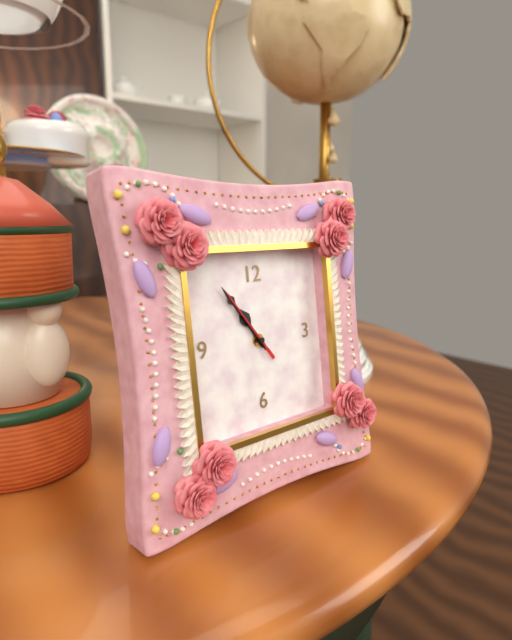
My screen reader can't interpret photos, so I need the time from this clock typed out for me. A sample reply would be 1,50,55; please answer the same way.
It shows 10,54,54
